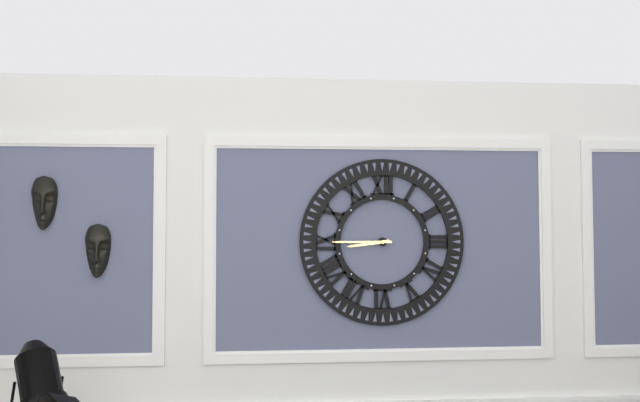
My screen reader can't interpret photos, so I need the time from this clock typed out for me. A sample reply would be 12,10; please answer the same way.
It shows 8,45
